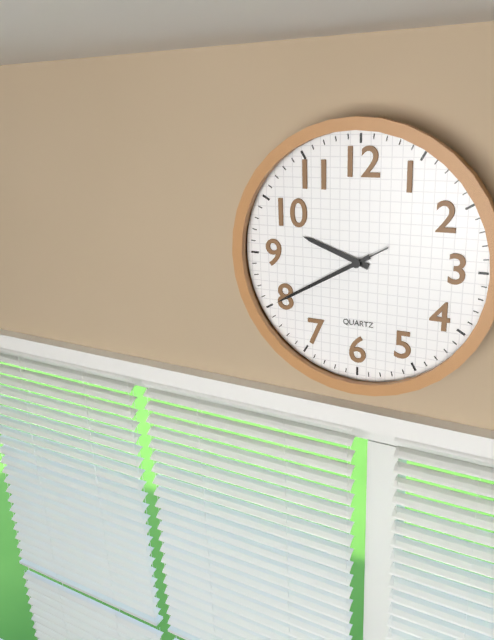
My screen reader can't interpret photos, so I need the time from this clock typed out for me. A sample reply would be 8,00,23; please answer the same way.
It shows 9,40,40
